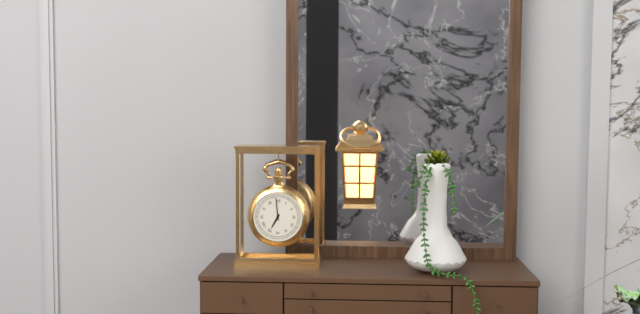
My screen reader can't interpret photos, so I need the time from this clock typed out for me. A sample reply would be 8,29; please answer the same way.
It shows 6,59
